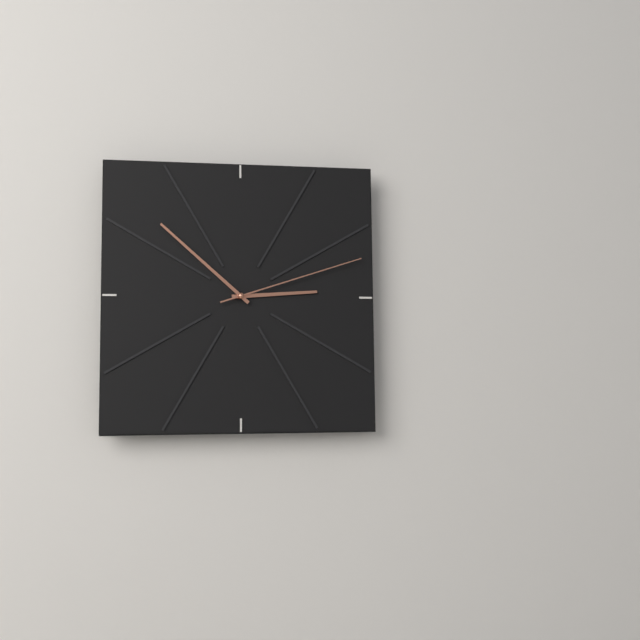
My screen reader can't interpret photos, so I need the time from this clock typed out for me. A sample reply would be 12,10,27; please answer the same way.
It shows 2,52,12
